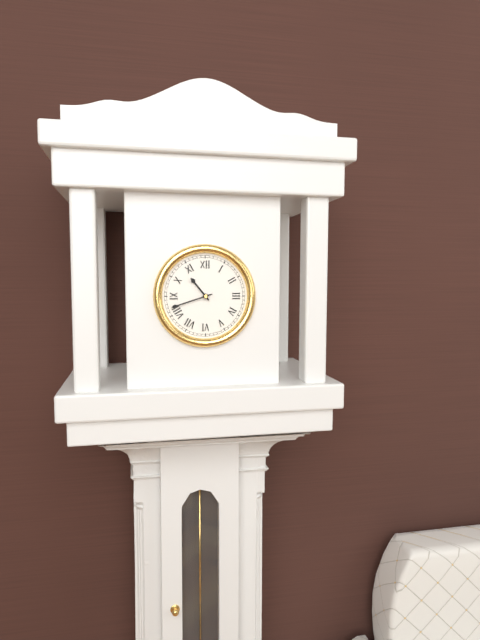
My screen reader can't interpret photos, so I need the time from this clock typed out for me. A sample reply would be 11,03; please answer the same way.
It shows 10,42
